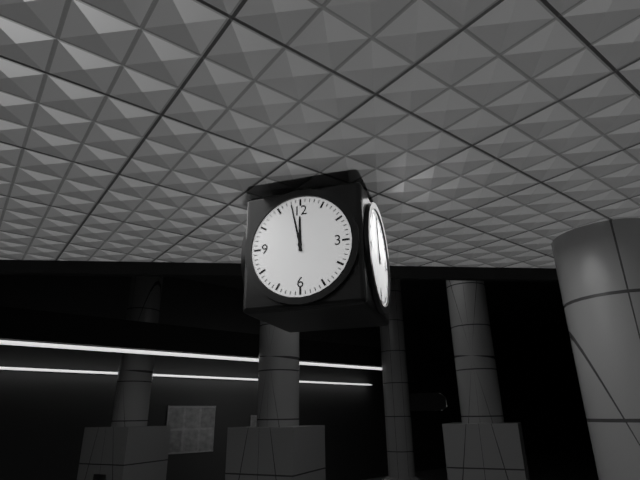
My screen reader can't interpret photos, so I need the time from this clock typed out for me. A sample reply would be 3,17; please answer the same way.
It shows 11,58
